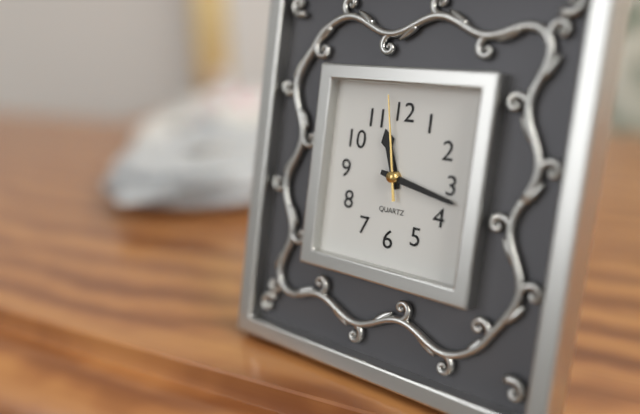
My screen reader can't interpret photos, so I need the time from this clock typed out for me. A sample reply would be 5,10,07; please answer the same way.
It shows 11,17,58
